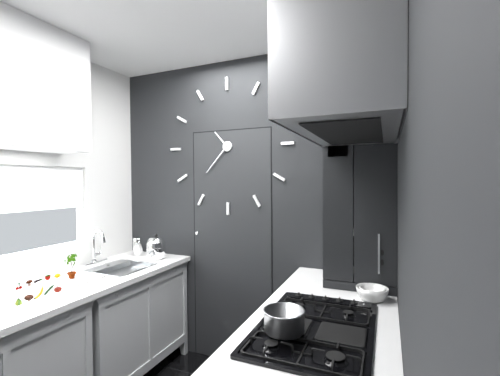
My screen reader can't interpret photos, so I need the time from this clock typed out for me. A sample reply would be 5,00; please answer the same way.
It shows 10,37
